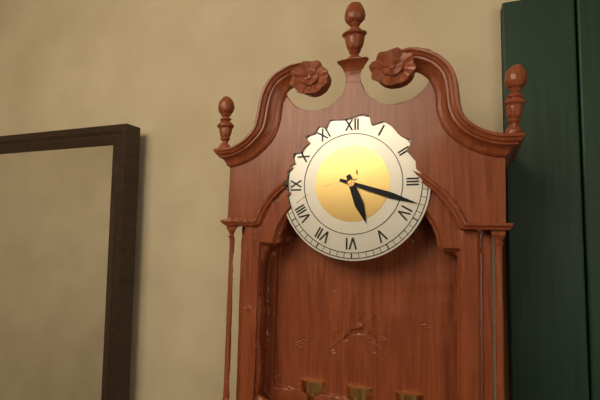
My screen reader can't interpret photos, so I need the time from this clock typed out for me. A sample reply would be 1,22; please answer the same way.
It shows 5,18
